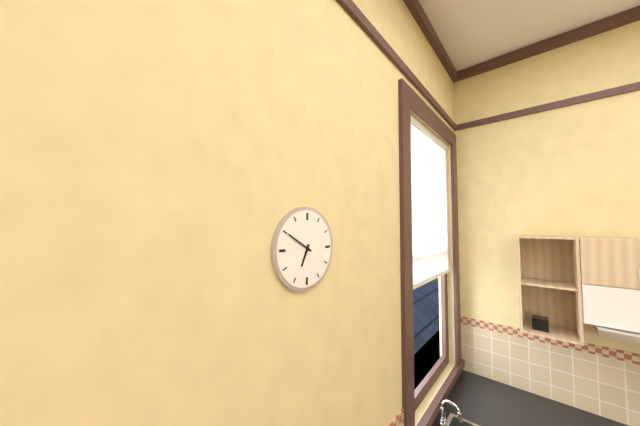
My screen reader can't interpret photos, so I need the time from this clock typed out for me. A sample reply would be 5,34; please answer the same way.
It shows 6,50
